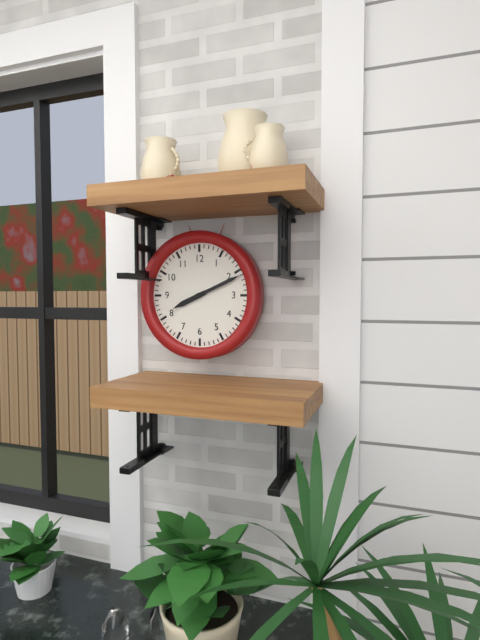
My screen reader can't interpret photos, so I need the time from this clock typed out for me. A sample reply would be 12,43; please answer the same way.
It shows 8,11
